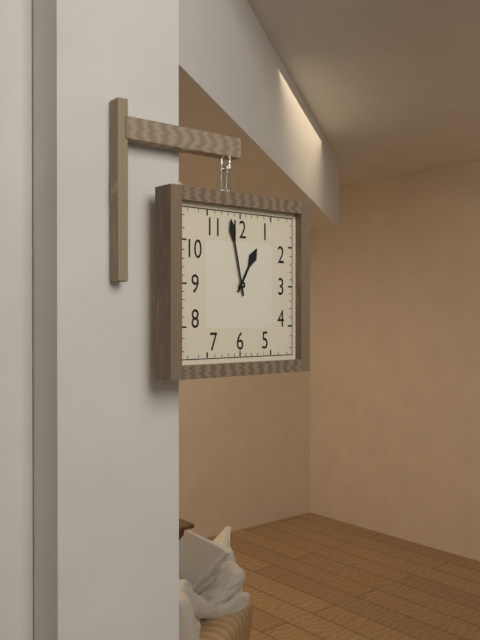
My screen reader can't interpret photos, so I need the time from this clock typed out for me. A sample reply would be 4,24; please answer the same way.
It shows 12,58
